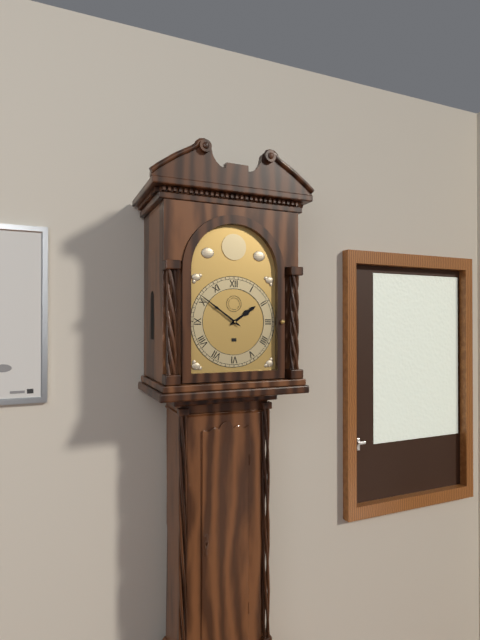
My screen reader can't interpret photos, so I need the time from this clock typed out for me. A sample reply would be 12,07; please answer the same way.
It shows 1,51
